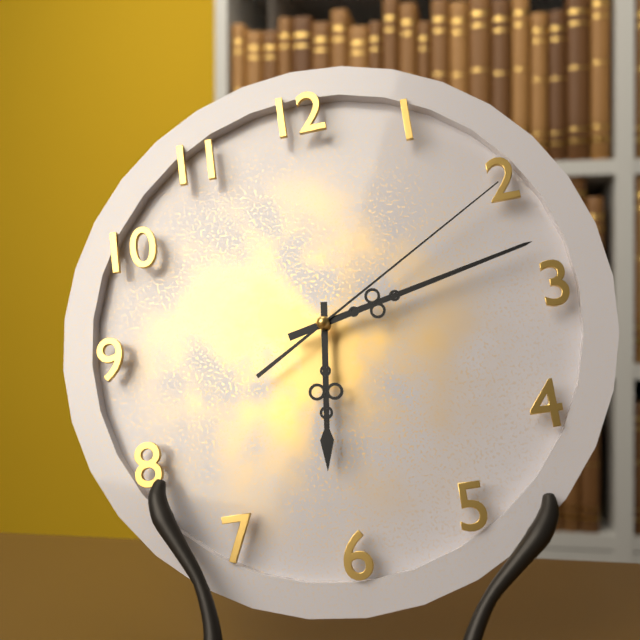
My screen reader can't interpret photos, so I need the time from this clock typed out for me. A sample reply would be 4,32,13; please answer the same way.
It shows 6,13,10
